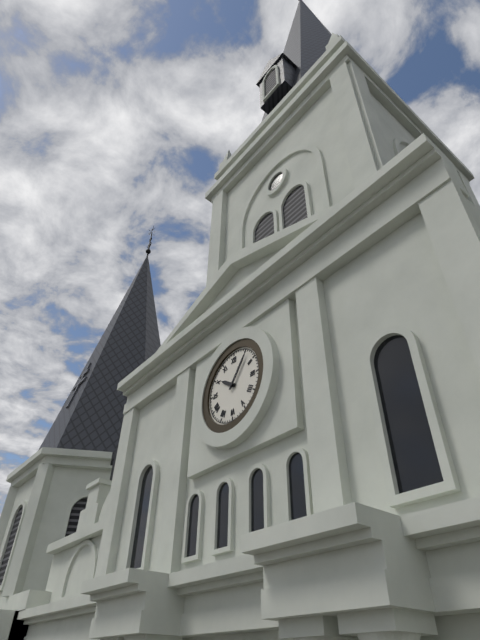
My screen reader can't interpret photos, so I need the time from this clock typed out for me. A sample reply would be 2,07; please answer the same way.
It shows 10,06
